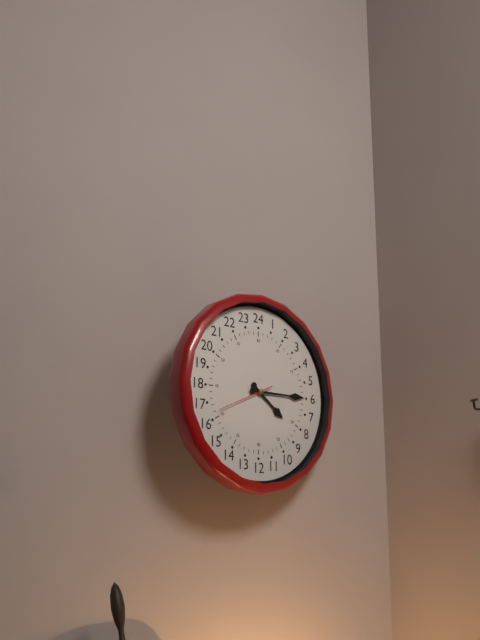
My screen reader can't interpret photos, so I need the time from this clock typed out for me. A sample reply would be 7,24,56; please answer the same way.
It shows 4,15,41
